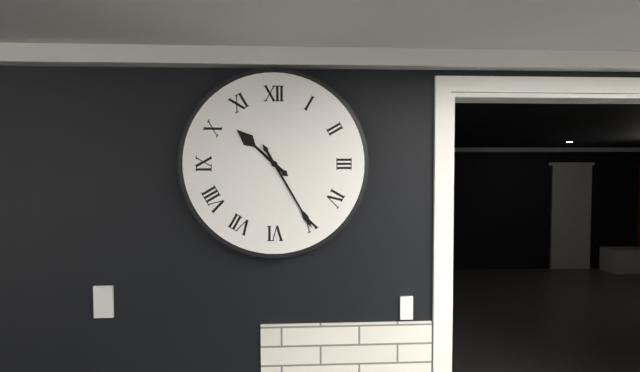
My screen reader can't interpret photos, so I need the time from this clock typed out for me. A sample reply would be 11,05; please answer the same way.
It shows 10,25
